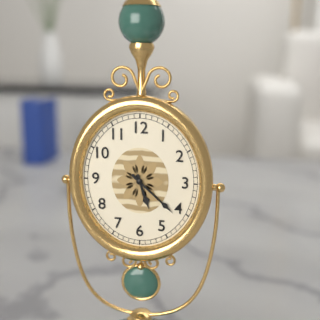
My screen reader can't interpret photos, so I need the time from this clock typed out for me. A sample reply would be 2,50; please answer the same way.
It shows 5,22
